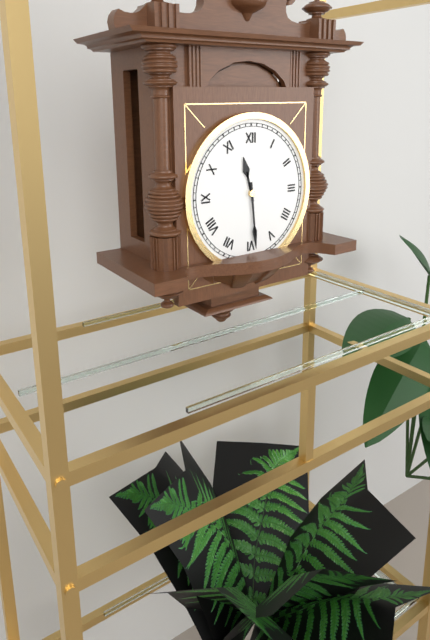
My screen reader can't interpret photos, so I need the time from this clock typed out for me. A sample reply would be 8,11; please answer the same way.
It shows 11,29
